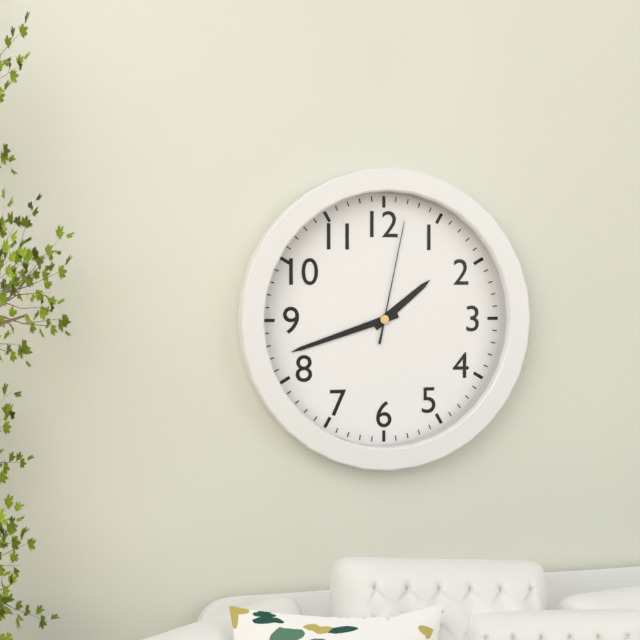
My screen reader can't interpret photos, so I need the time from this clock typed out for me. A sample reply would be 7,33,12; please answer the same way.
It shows 1,42,02
